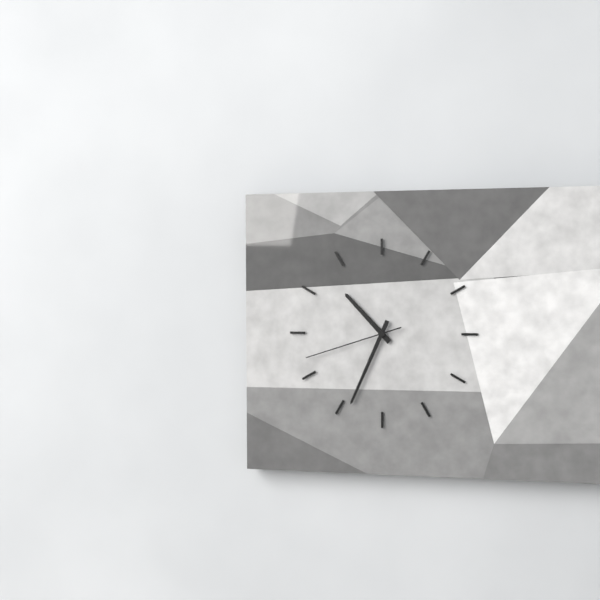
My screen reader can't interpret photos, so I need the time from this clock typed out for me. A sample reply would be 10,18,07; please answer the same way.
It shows 10,34,42
